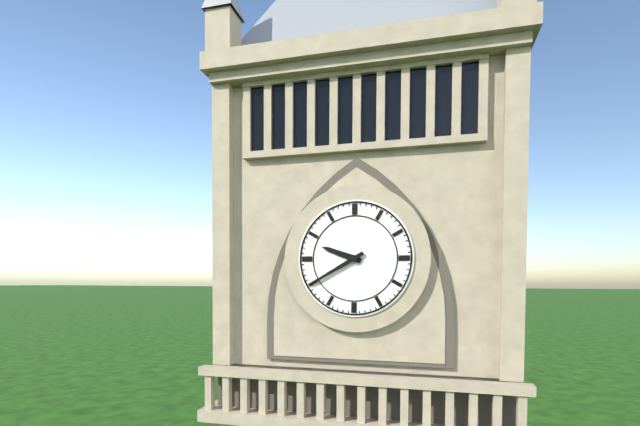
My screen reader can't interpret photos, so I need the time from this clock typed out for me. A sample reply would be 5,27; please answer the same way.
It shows 9,40
